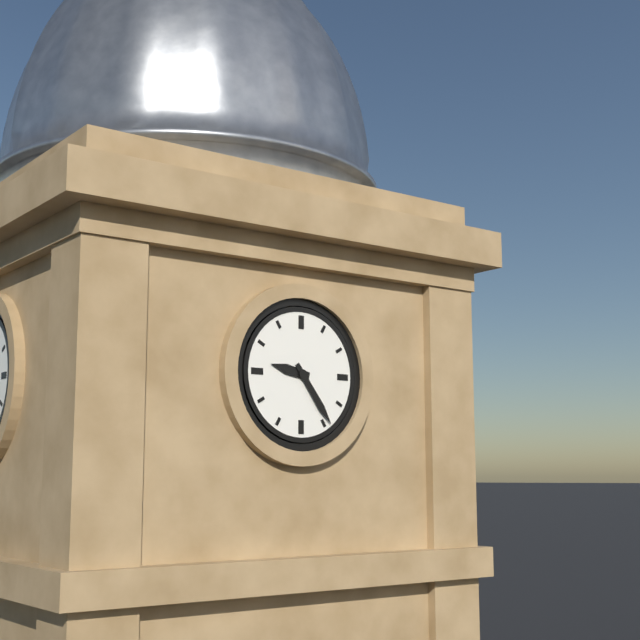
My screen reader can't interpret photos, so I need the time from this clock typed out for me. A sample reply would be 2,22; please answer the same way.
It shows 9,24
